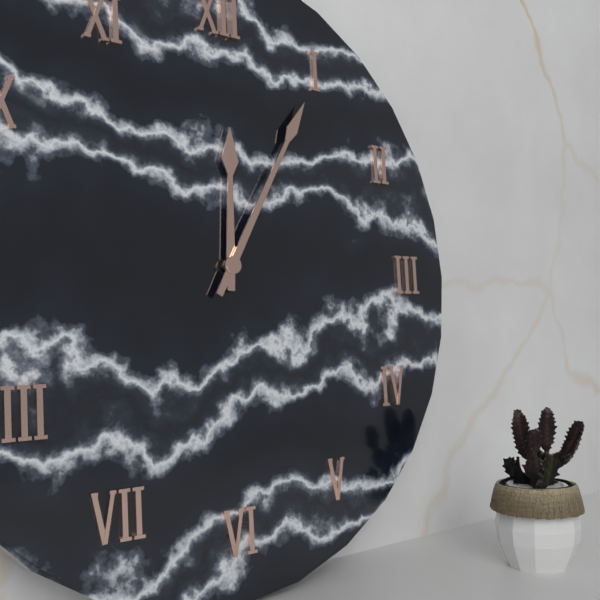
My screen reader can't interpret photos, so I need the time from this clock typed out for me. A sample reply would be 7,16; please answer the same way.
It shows 12,05
